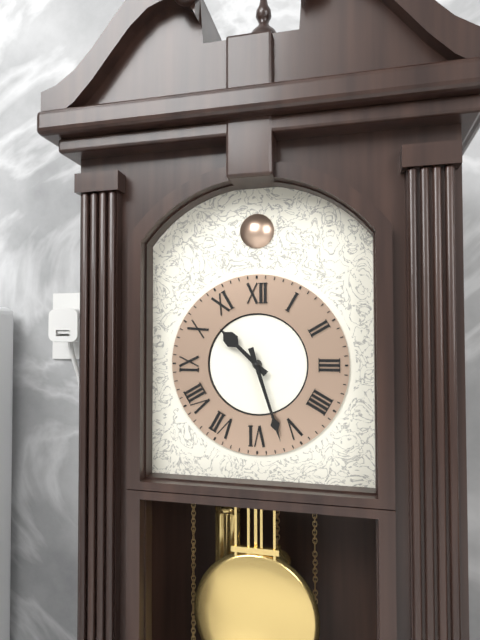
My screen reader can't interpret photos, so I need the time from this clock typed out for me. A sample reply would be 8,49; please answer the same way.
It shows 10,27
